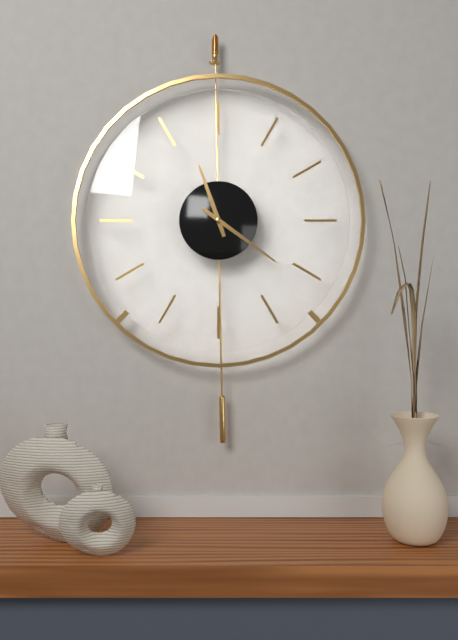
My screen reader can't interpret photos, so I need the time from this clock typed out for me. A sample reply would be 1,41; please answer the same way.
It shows 11,21
